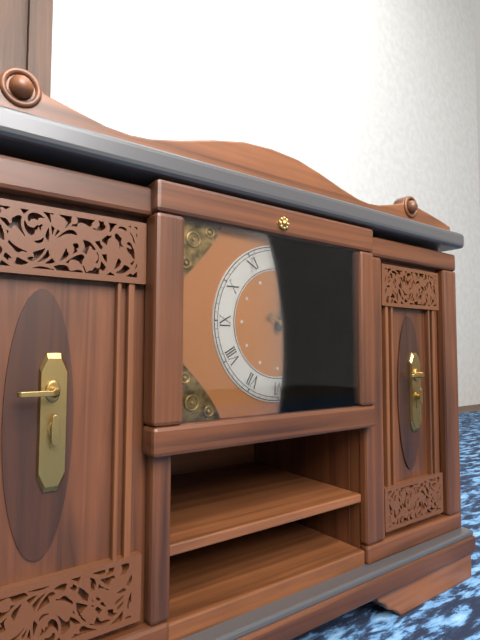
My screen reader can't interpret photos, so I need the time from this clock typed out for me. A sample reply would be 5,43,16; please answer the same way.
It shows 1,02,20
